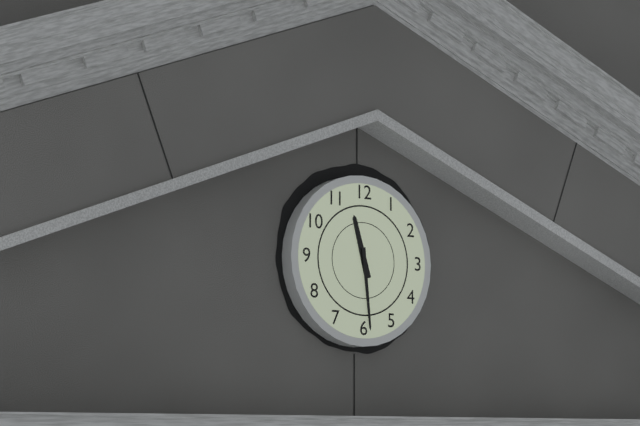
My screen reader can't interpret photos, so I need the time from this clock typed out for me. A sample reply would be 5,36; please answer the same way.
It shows 11,29
